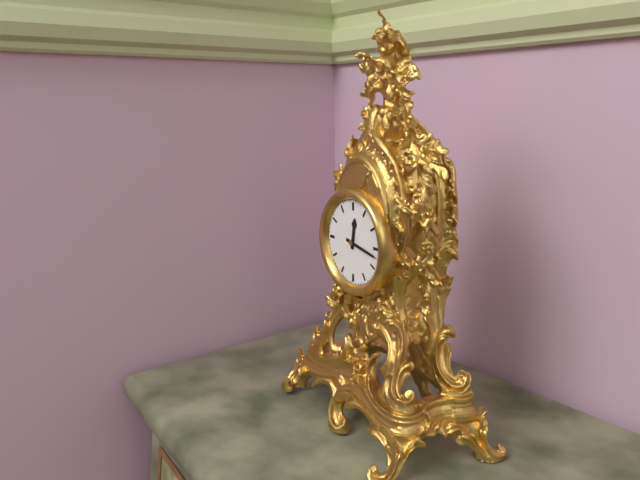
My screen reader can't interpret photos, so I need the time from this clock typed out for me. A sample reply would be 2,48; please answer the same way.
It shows 12,17
